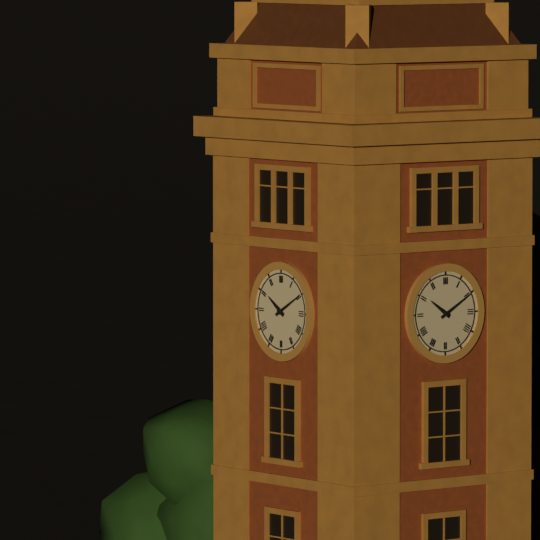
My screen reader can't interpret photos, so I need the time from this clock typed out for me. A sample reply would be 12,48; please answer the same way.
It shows 10,10
